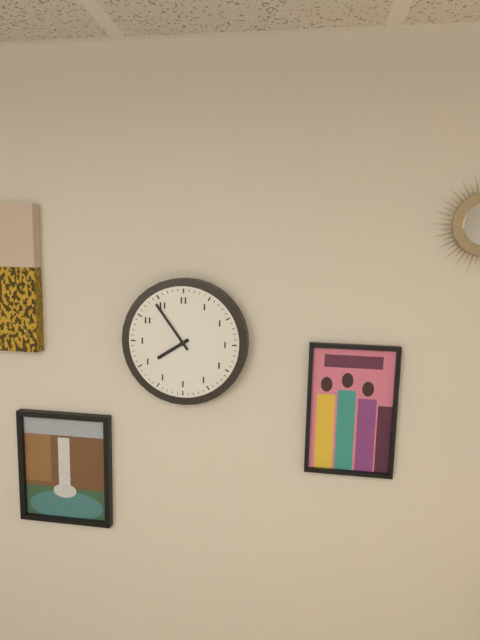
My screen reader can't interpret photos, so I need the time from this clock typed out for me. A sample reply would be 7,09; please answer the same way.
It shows 7,54
